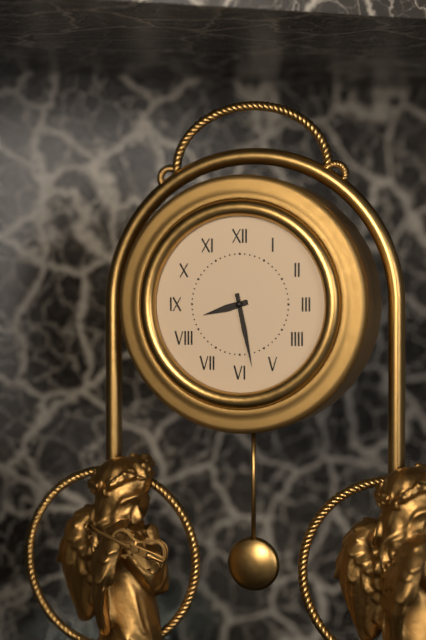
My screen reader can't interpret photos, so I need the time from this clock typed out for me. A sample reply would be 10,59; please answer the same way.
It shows 8,28
